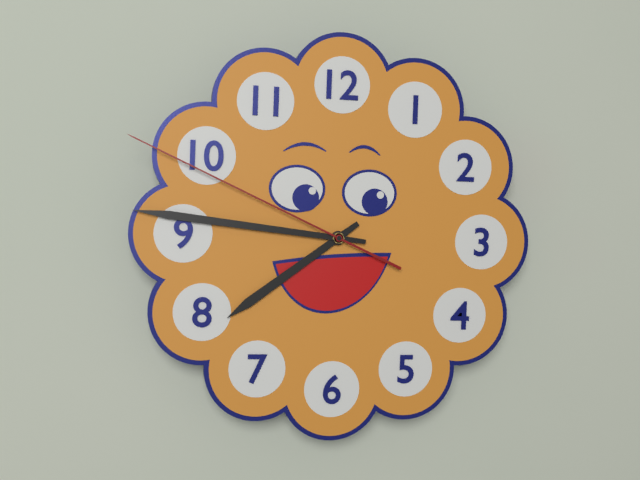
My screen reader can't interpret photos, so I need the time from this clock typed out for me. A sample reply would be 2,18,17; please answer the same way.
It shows 7,46,49
